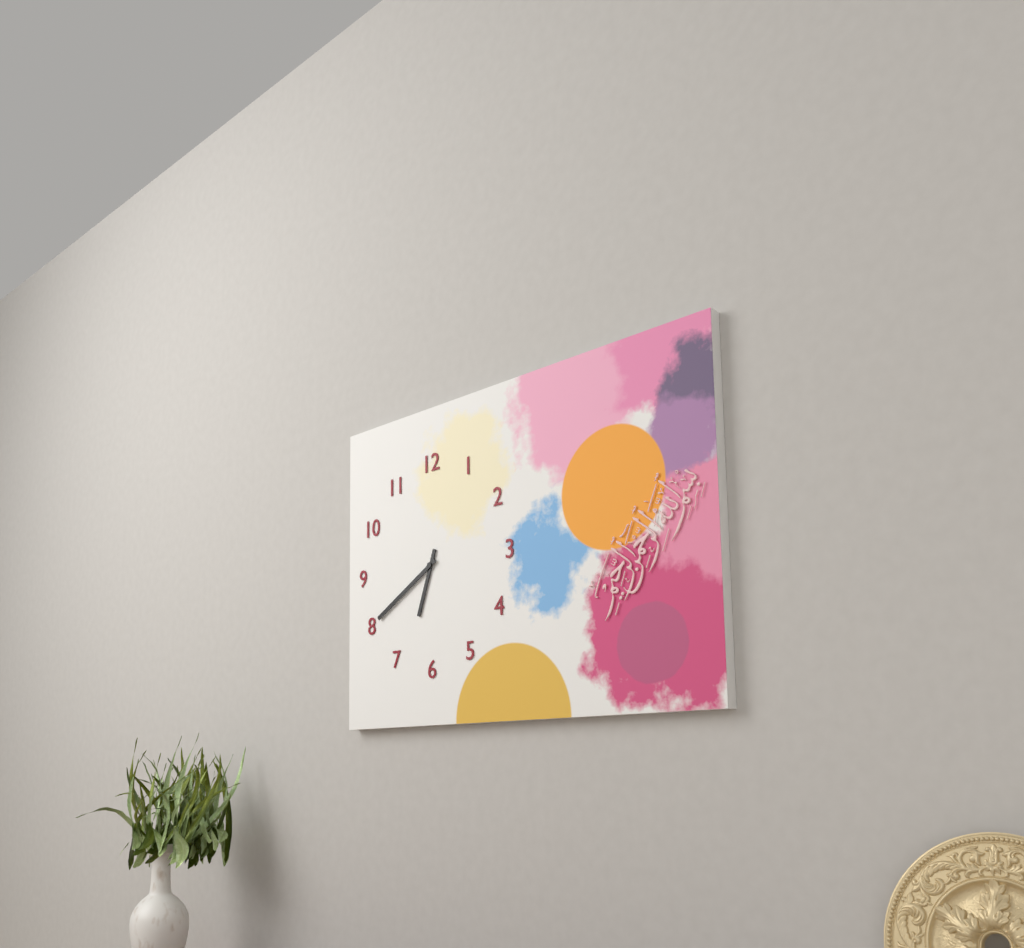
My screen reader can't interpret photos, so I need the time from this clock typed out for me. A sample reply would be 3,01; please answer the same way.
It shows 6,40
